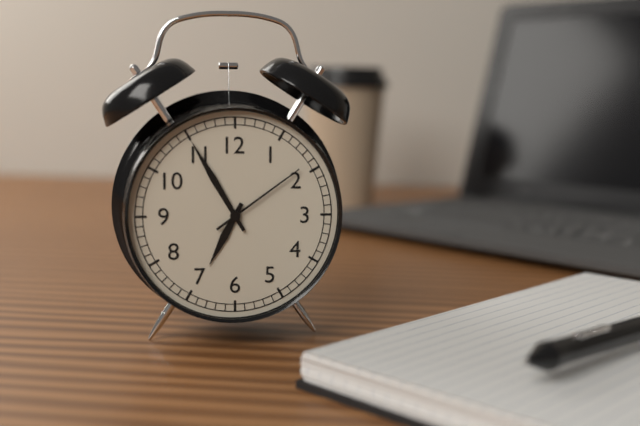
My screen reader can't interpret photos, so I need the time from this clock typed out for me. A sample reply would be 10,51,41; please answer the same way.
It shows 6,55,09
